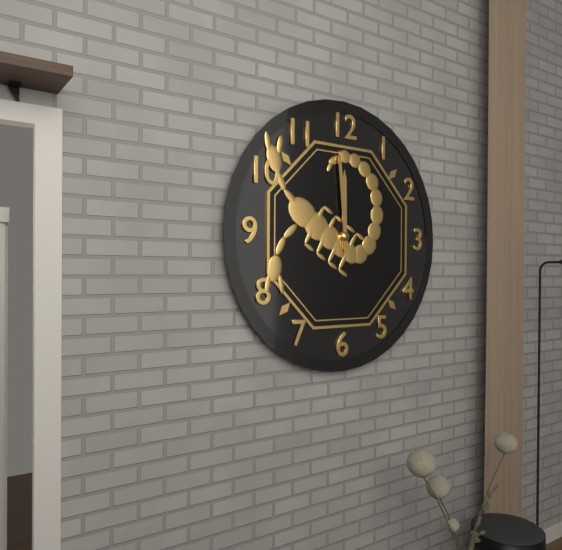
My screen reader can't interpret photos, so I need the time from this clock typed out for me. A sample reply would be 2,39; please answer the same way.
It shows 11,59
